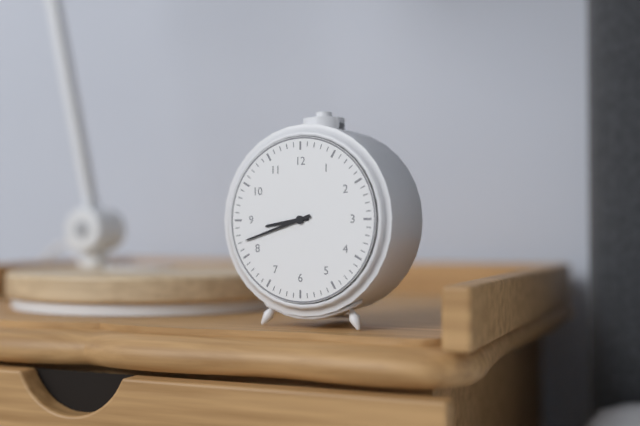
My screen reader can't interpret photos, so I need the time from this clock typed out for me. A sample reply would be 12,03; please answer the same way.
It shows 8,42
